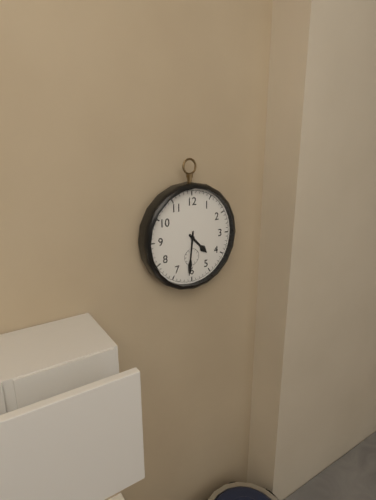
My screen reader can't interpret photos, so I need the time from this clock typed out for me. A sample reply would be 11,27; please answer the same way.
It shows 4,31
